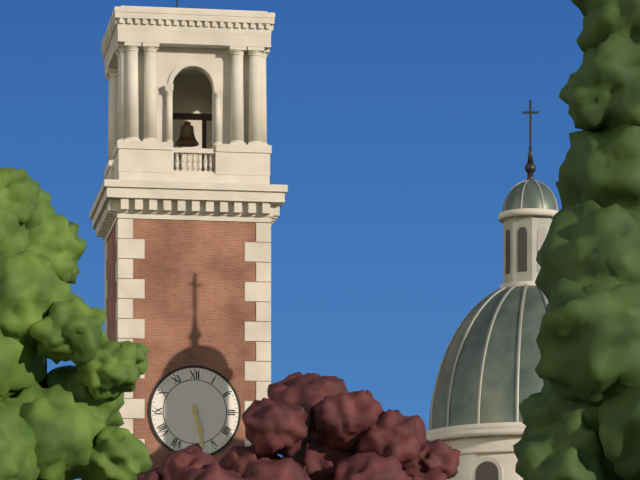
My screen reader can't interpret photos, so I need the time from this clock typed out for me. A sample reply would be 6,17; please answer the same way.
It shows 5,28
